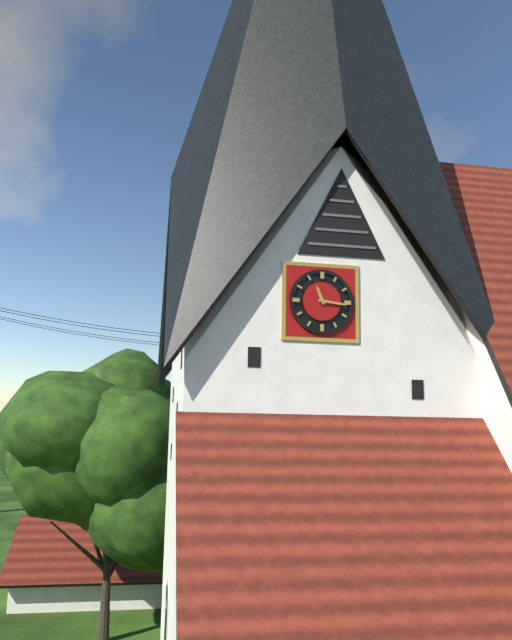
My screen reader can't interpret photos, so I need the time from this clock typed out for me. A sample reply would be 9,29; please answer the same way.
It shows 11,16
